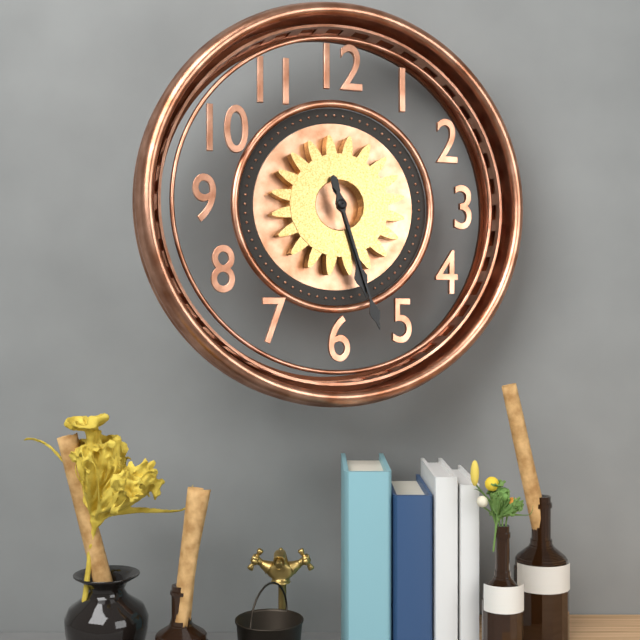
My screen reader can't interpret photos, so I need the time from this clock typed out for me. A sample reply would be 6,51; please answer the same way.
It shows 5,27
